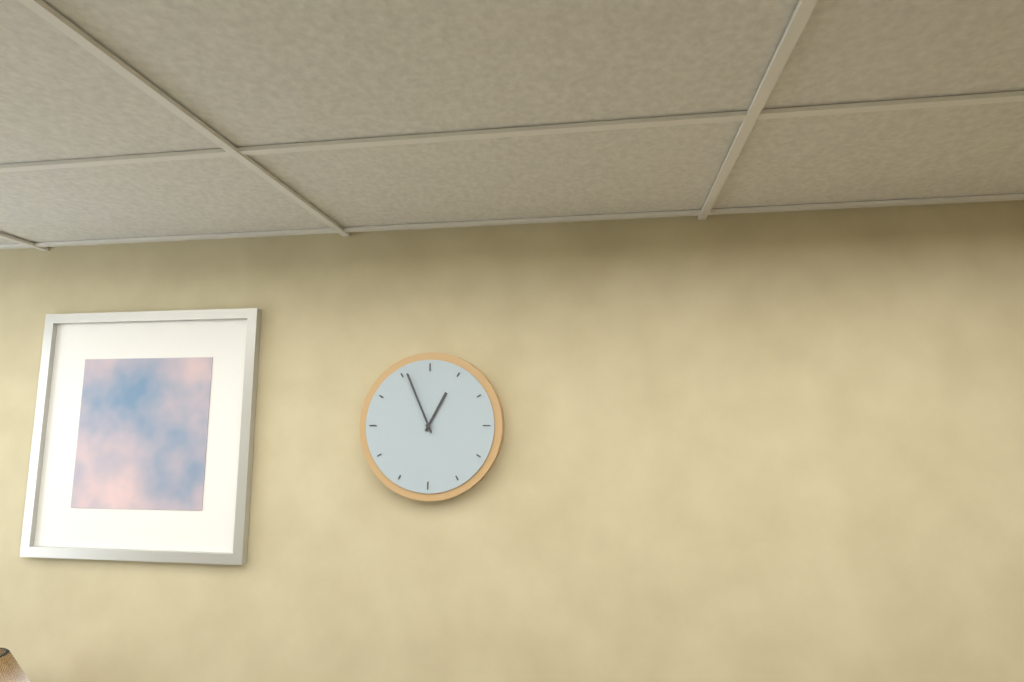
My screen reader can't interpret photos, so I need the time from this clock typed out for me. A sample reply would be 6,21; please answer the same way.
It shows 12,56
